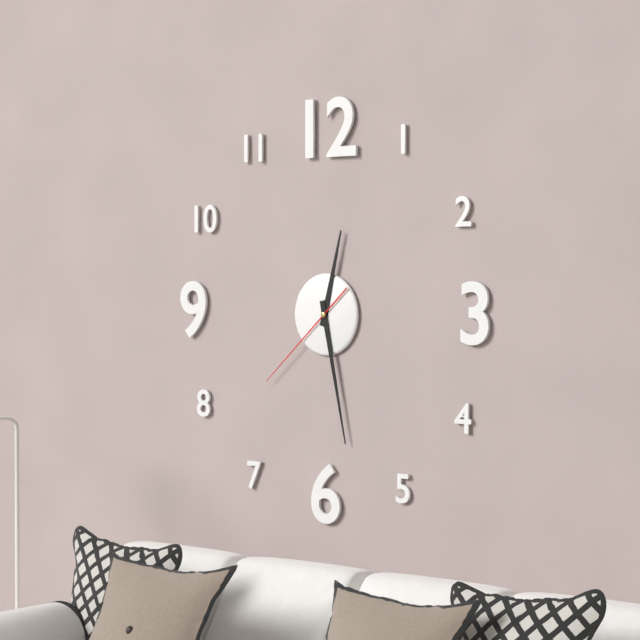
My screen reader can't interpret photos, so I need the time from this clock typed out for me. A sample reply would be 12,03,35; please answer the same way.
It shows 12,28,38
